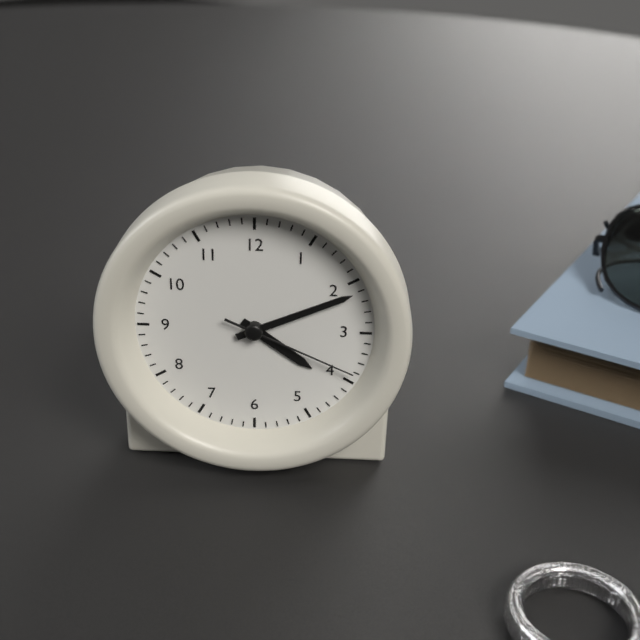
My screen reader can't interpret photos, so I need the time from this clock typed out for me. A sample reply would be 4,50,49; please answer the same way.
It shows 4,11,19
